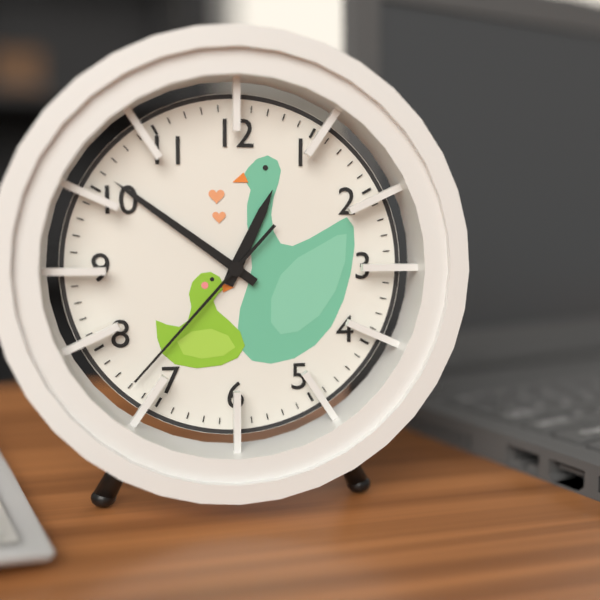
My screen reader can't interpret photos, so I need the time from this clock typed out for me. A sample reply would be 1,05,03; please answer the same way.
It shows 12,51,37
